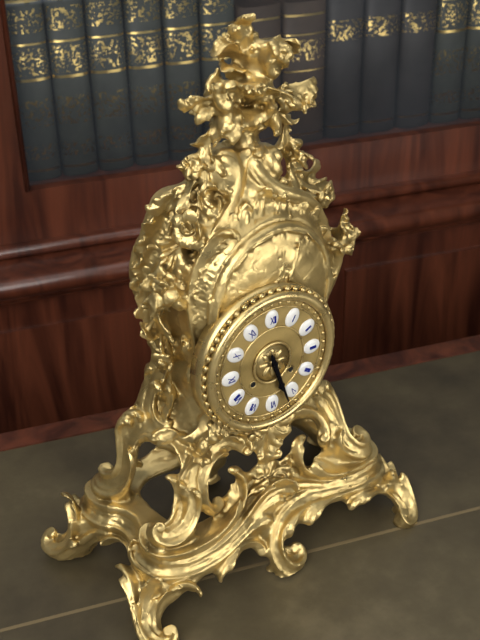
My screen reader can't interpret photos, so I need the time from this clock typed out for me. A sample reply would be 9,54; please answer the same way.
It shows 5,27
